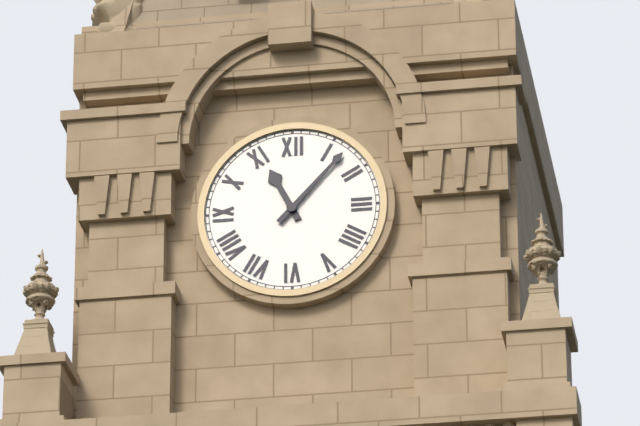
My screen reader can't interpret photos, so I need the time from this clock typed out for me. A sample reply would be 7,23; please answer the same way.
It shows 11,07
